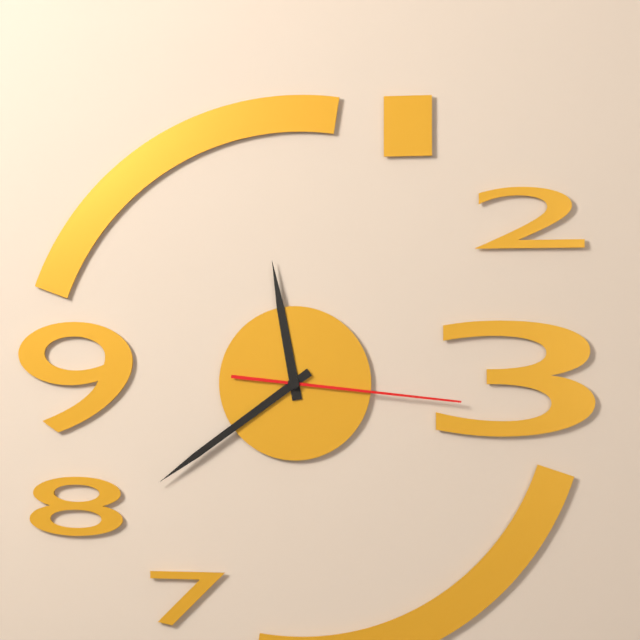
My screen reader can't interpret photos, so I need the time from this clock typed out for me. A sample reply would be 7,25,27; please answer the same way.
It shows 11,39,16
